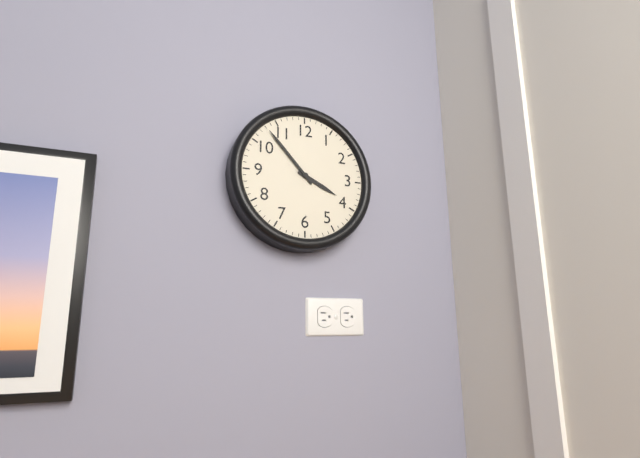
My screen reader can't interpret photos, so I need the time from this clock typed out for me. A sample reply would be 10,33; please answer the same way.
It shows 3,53
